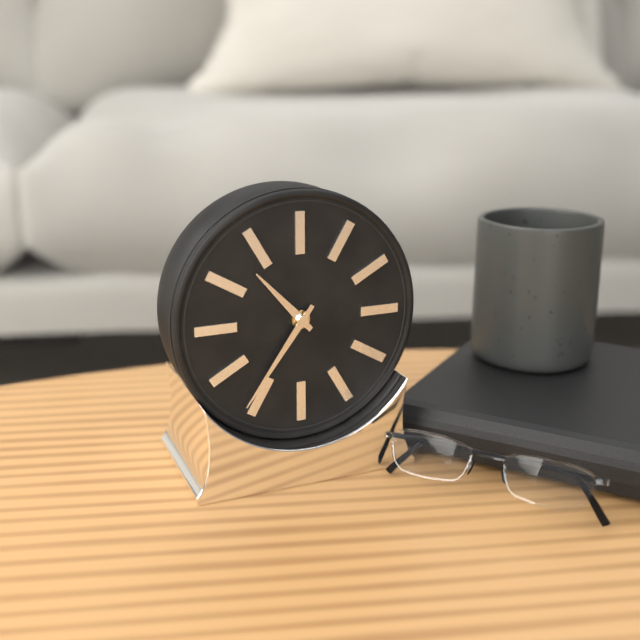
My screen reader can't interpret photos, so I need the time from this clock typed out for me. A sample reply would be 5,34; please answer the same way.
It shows 10,36
